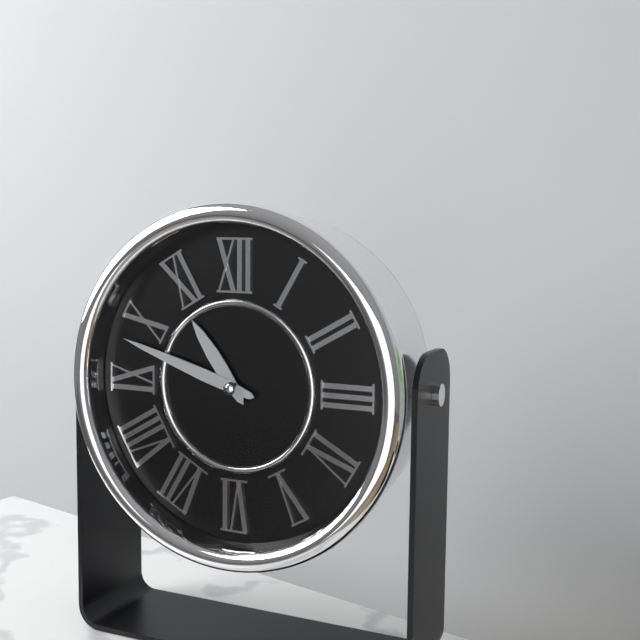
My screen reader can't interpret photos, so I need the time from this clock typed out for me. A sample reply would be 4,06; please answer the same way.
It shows 10,48
